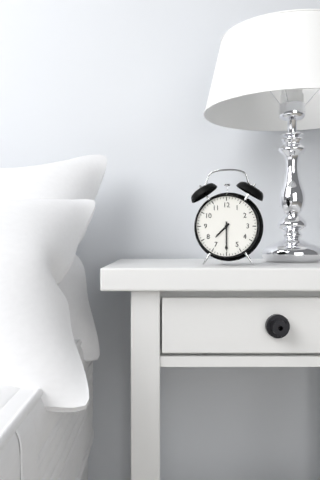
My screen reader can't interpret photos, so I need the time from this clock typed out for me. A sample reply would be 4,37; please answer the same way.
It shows 7,30
